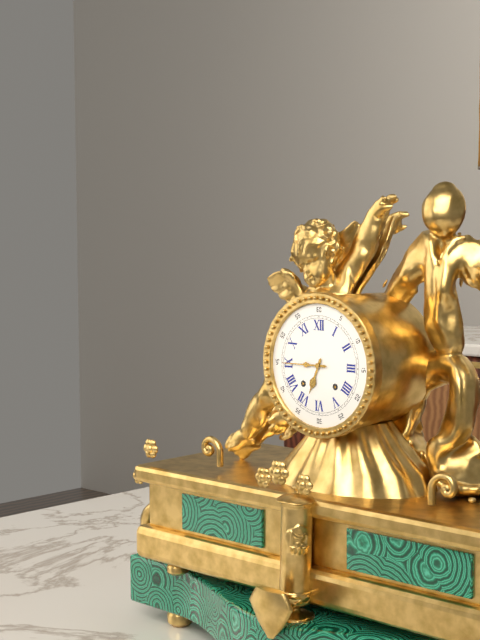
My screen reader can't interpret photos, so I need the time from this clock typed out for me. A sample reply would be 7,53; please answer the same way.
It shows 6,45
